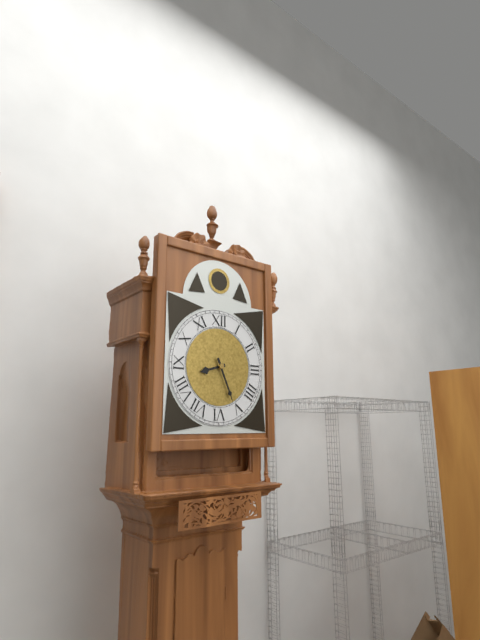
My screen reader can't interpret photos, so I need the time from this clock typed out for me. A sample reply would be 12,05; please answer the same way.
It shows 8,26
